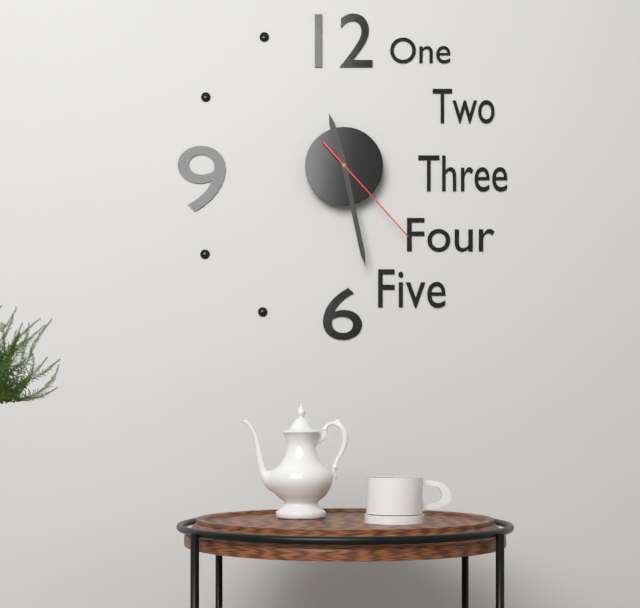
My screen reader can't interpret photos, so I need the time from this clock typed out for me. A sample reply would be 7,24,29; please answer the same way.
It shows 11,28,23
